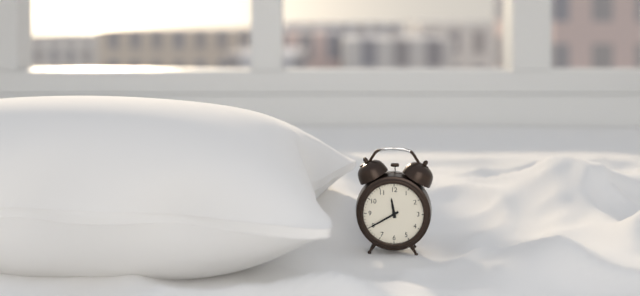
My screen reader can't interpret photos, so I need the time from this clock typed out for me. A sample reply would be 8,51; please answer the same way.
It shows 11,40
